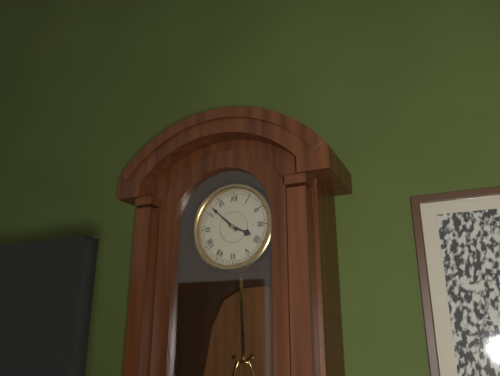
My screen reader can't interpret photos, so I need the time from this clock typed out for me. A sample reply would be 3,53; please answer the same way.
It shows 3,52
